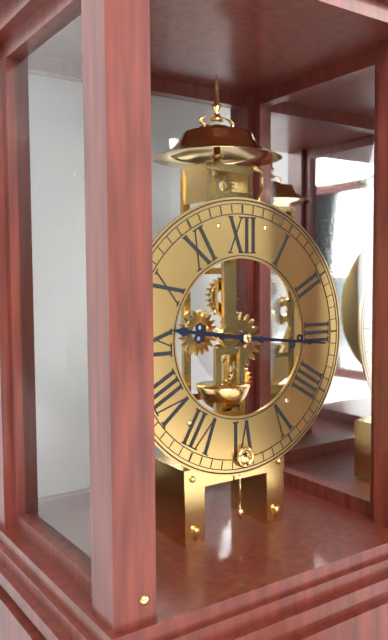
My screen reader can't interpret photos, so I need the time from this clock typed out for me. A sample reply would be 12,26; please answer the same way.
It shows 9,16
